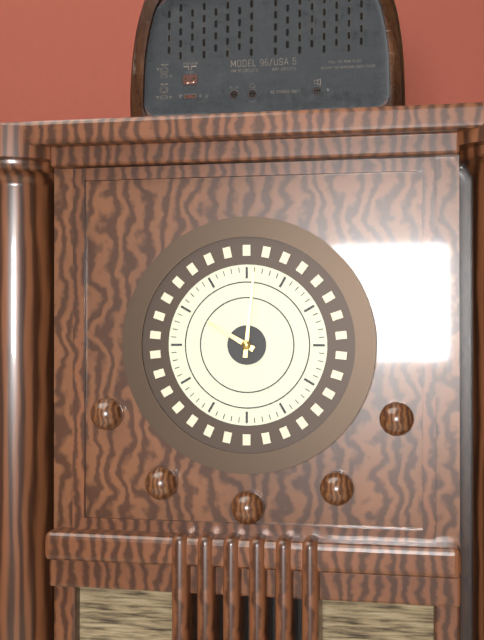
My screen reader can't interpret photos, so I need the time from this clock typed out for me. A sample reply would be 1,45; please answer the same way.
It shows 10,01
